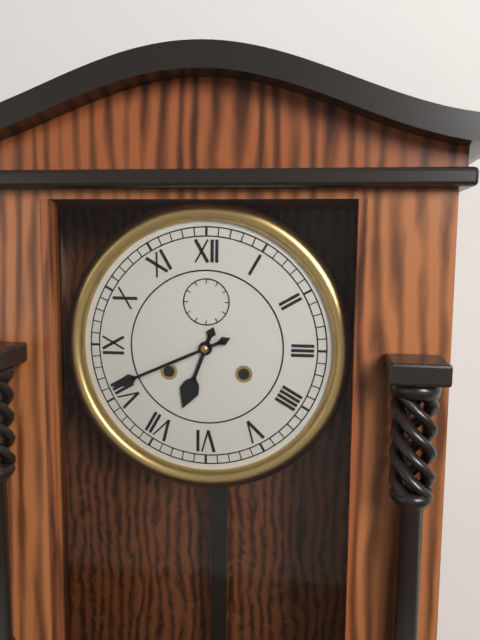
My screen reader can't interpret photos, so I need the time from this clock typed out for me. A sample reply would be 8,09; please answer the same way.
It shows 6,41
